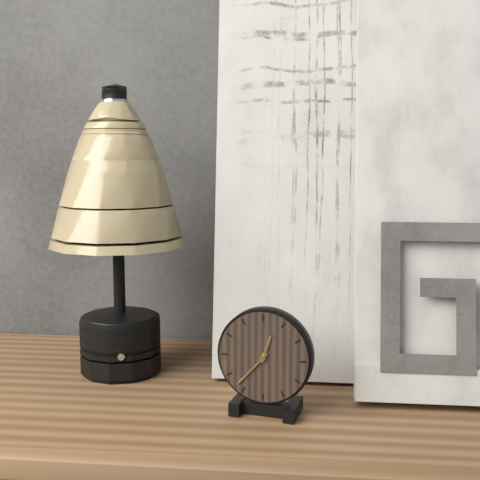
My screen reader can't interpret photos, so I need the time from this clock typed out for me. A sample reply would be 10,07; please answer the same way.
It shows 12,37
